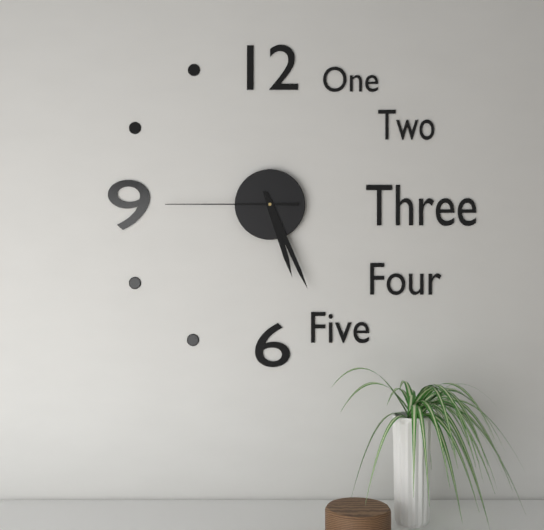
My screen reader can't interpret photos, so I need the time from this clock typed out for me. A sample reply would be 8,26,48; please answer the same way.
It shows 5,26,45
